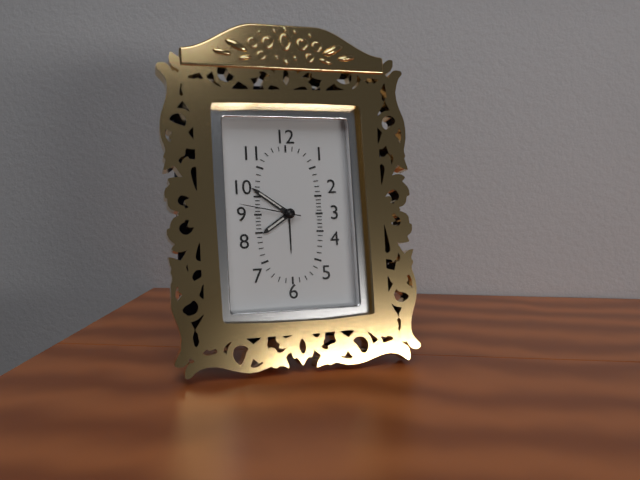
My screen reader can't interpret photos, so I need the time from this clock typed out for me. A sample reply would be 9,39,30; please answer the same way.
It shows 7,51,47
